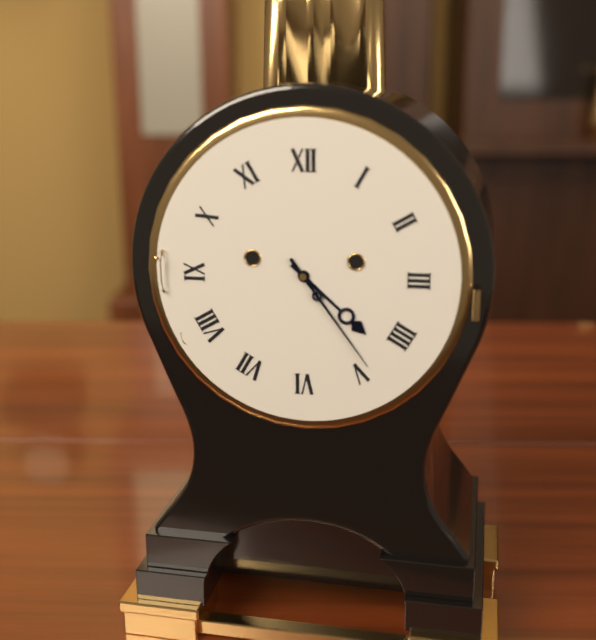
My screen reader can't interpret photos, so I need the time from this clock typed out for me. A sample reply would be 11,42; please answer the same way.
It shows 4,24
